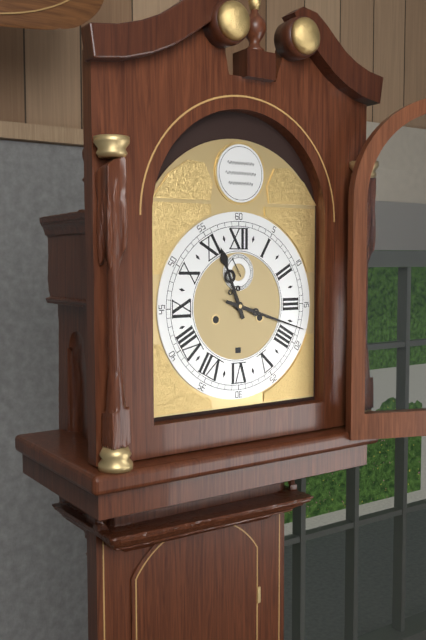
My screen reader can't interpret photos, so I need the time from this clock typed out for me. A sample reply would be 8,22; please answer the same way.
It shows 11,18
